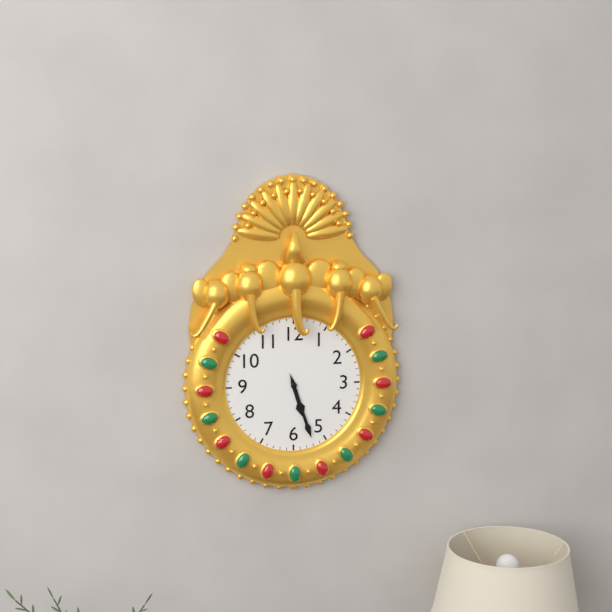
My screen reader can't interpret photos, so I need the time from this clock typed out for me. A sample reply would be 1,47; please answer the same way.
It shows 5,27
